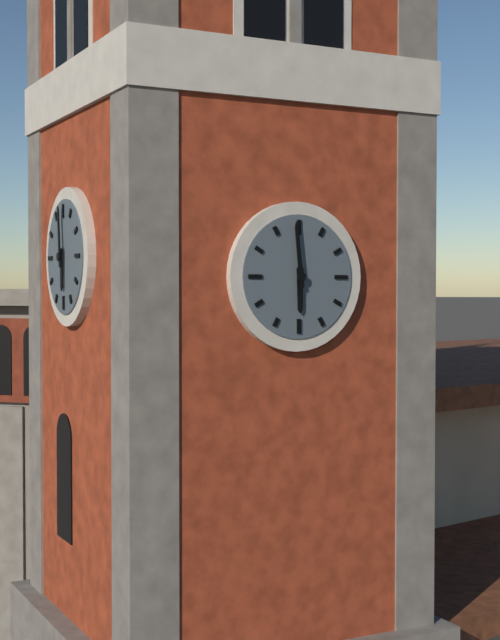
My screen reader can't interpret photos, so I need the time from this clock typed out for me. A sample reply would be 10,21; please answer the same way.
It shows 5,59
